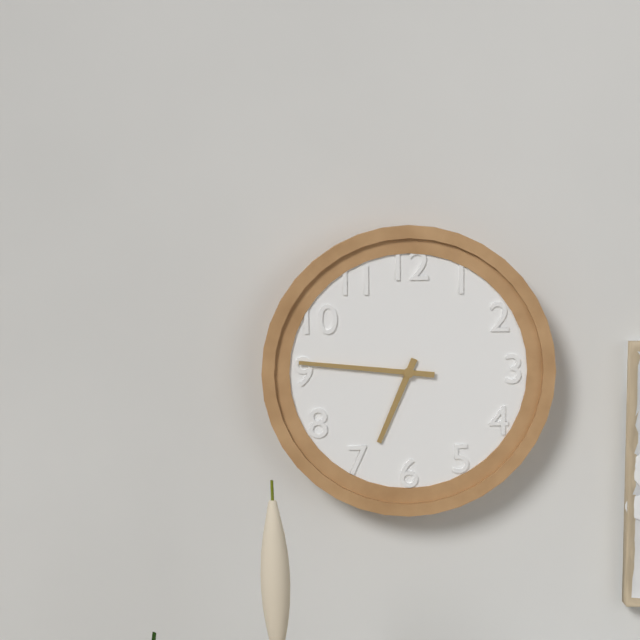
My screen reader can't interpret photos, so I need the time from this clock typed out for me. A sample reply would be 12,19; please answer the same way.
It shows 6,46
